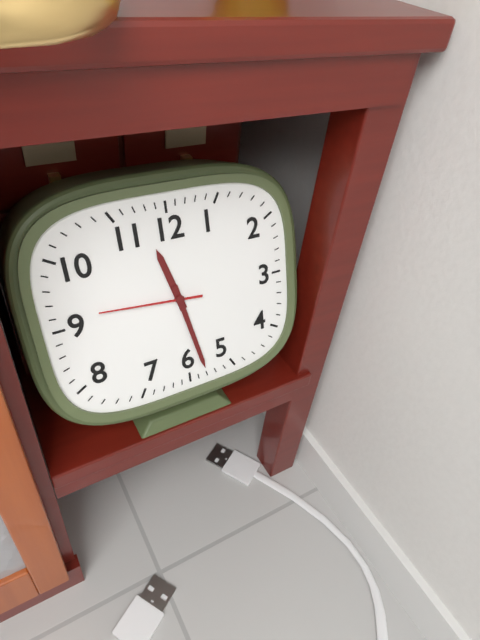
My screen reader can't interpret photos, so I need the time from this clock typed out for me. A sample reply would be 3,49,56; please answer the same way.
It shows 11,28,46
